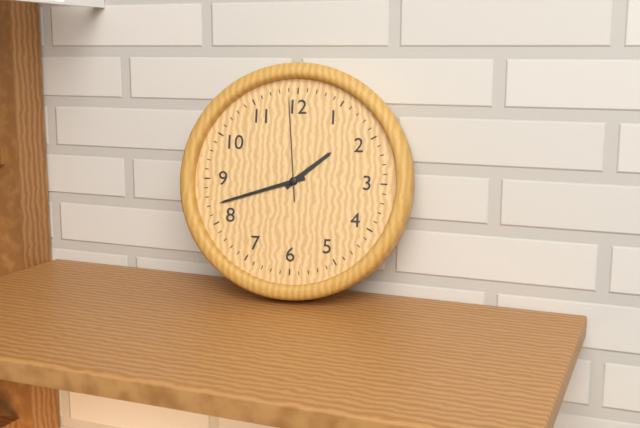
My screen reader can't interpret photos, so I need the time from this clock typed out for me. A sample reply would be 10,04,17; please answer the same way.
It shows 1,42,59
